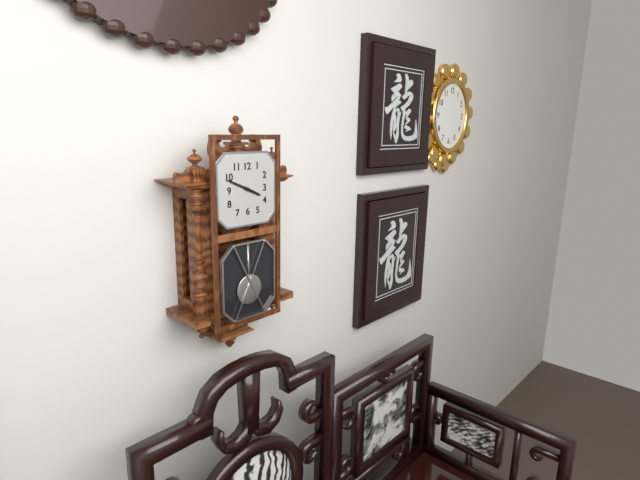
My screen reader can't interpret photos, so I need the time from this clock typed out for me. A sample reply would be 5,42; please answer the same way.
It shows 3,49
